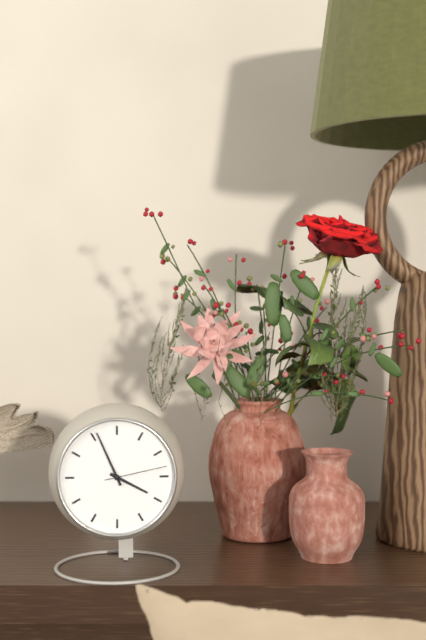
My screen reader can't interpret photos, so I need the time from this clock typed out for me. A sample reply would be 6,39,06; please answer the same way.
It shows 3,56,13
